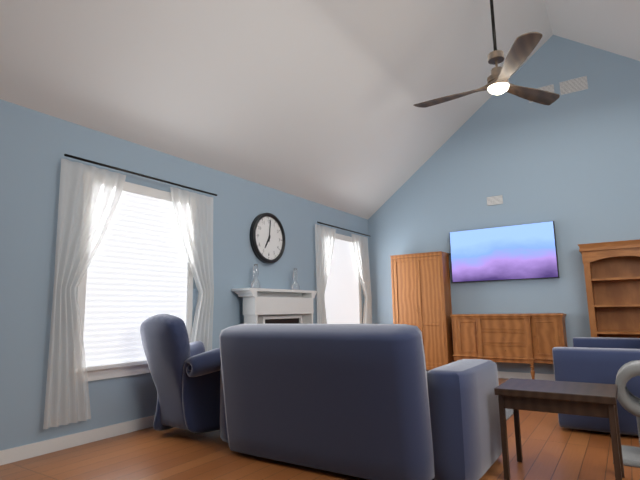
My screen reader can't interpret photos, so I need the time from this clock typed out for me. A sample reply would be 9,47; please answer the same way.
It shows 7,01
